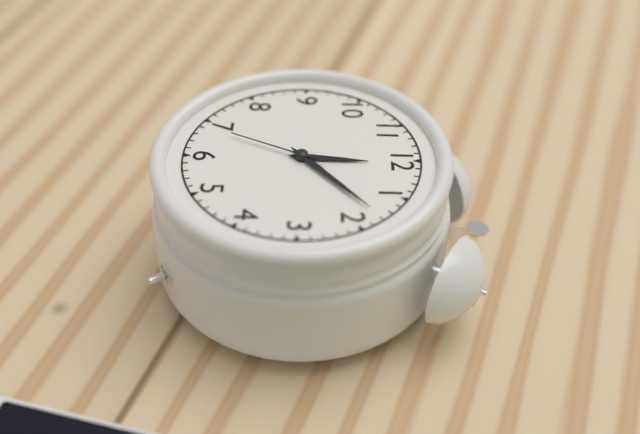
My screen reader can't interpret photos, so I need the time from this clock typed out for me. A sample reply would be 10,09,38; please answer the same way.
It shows 12,08,34
